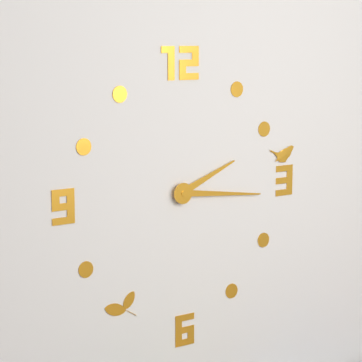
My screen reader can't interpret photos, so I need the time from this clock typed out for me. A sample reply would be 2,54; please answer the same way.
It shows 2,16
